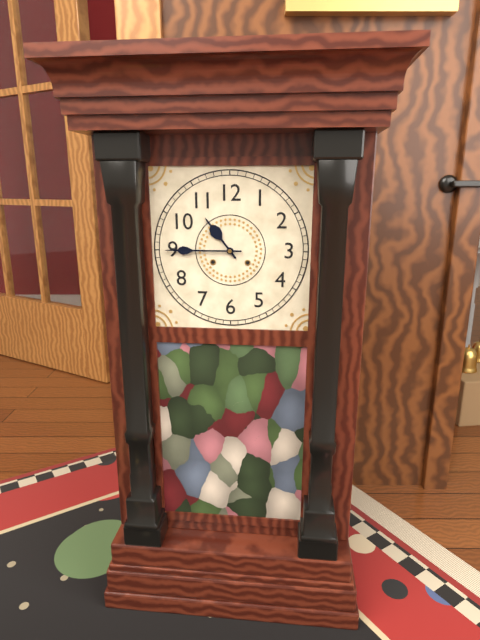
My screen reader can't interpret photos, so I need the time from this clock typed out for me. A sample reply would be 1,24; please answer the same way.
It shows 10,45
